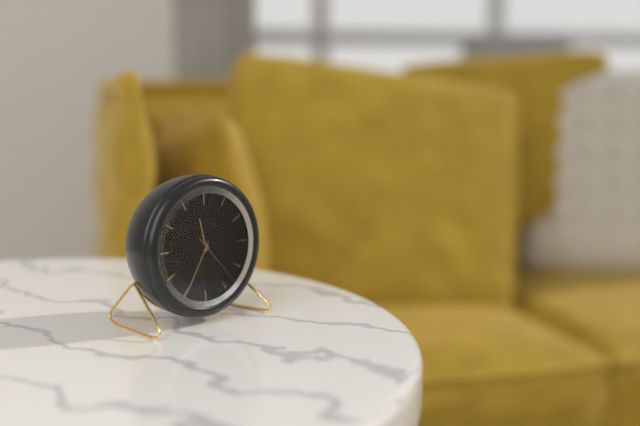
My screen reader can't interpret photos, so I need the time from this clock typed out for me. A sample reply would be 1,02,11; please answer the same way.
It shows 11,35,23
